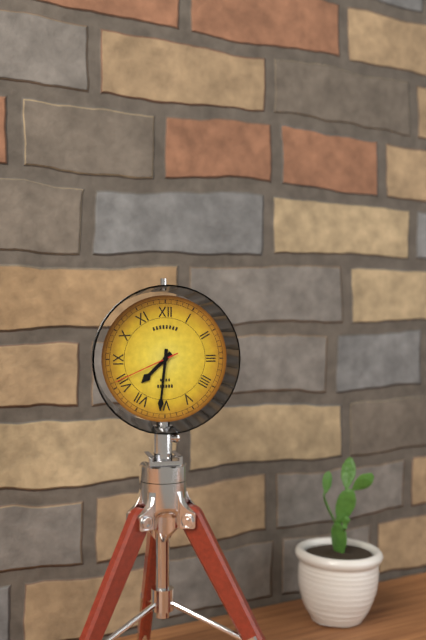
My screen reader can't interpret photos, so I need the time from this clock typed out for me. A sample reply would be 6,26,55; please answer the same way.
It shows 7,31,41
